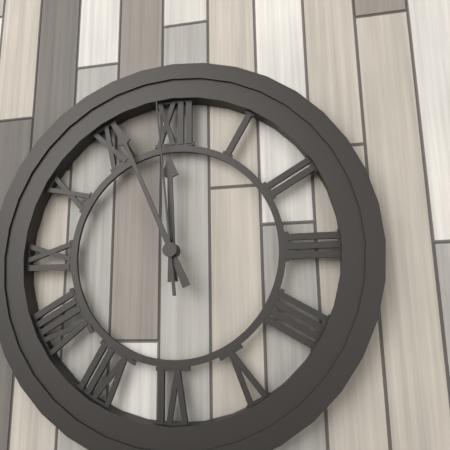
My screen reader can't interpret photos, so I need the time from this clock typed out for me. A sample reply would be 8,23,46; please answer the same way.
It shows 11,56,59
